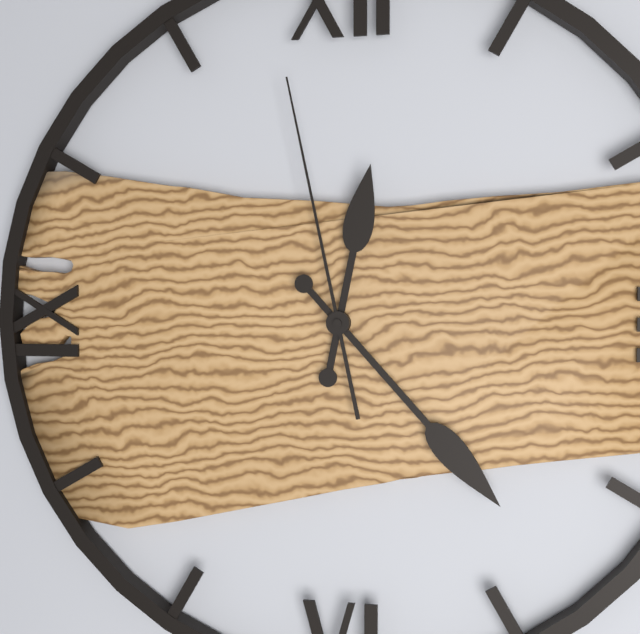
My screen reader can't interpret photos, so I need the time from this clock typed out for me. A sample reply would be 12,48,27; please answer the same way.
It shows 12,23,58
